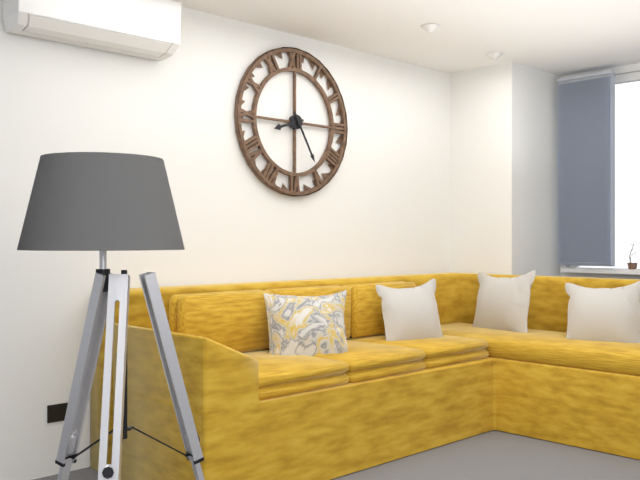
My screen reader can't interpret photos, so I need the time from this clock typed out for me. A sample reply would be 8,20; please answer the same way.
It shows 8,25
